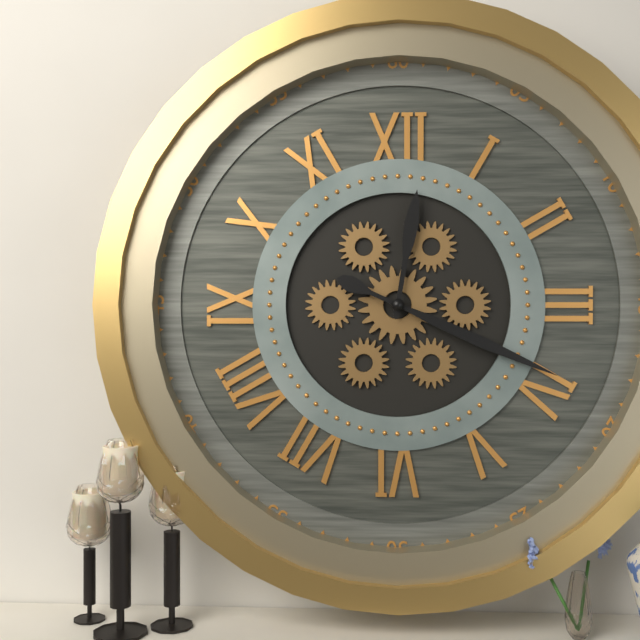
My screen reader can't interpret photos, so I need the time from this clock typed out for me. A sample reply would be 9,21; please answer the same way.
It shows 12,19
